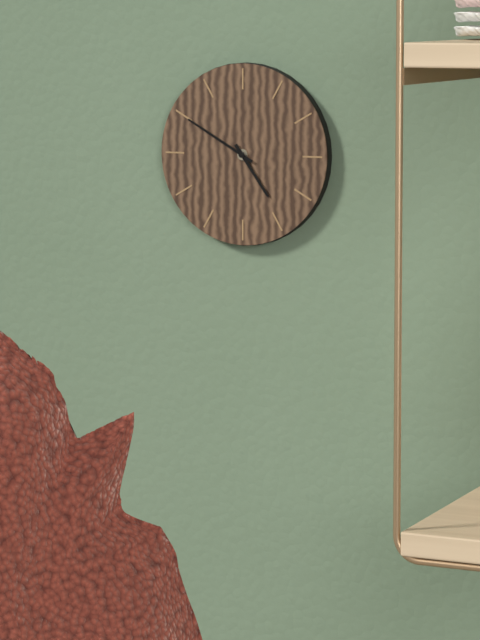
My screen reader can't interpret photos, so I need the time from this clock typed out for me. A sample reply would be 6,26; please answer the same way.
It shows 4,50
